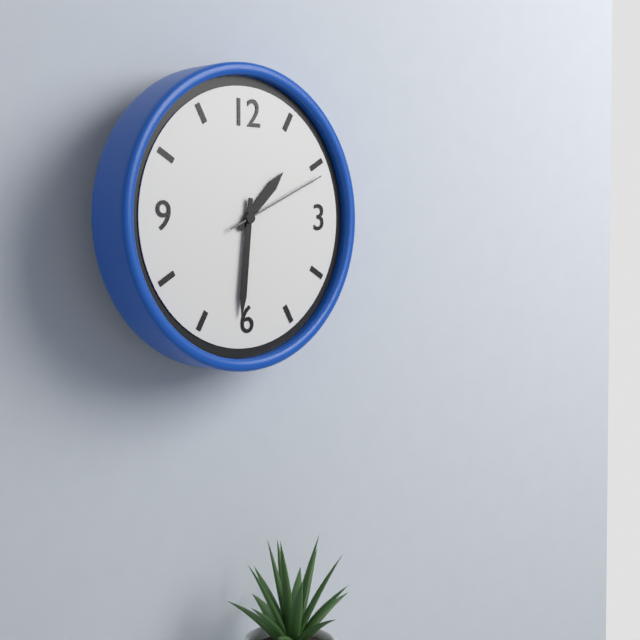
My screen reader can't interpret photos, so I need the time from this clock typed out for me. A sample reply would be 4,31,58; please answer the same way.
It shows 1,31,11
